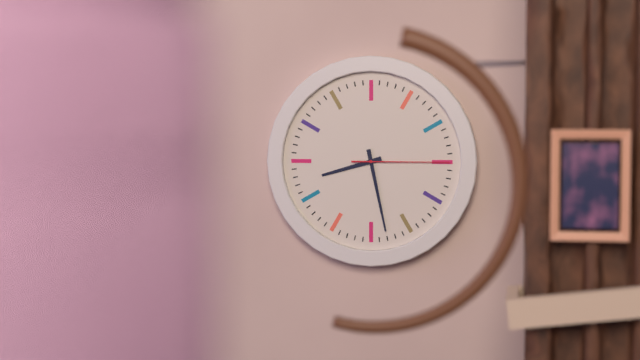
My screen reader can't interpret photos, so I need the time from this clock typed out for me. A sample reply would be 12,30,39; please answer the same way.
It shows 8,28,15
